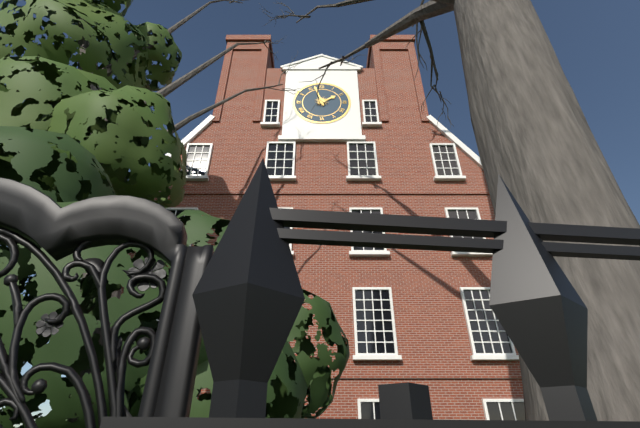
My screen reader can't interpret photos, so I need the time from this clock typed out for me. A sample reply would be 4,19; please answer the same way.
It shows 1,57
